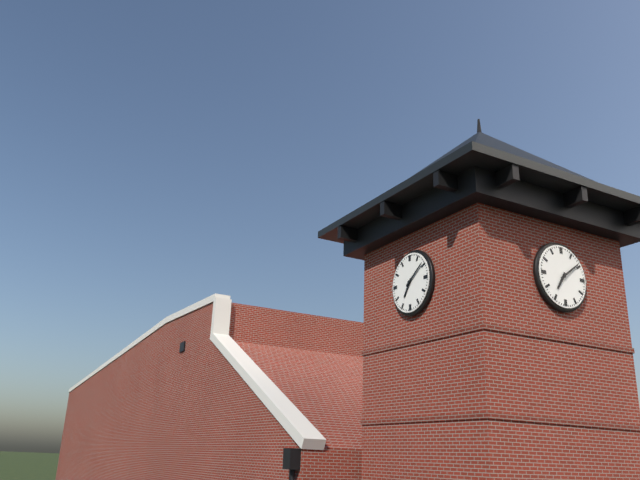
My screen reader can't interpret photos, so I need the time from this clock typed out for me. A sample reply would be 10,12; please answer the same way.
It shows 7,09
